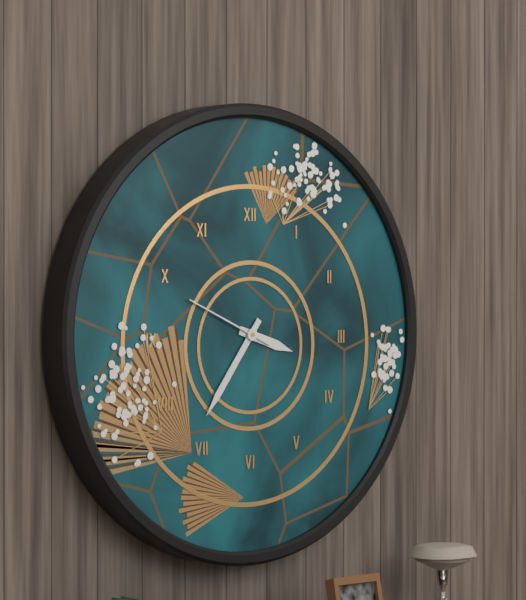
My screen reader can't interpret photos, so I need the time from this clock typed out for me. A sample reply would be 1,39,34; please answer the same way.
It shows 3,36,49
